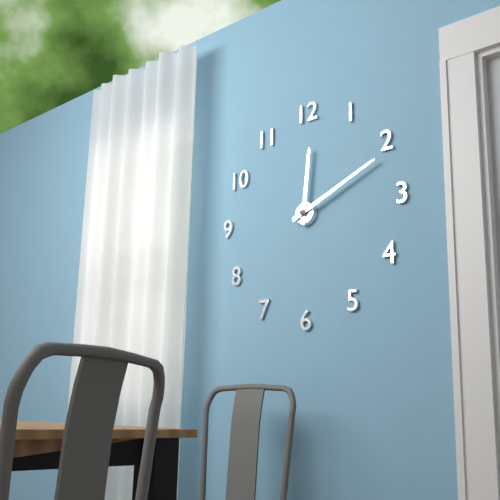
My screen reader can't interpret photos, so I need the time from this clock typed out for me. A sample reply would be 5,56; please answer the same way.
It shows 12,11
